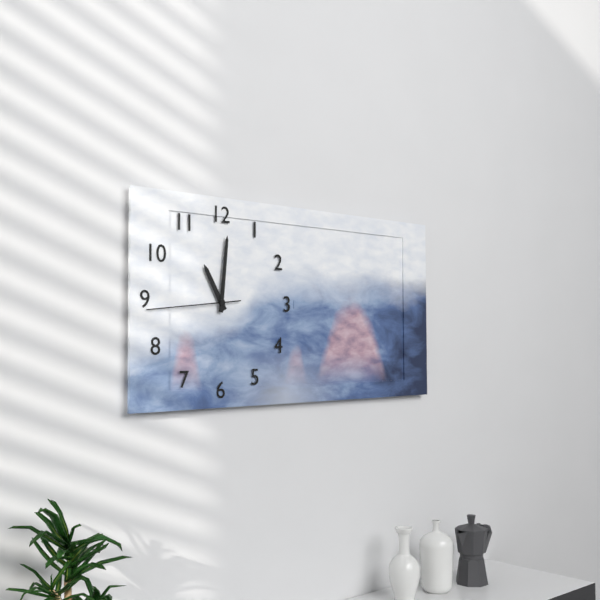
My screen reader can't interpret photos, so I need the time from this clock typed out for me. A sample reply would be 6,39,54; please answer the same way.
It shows 11,01,44
